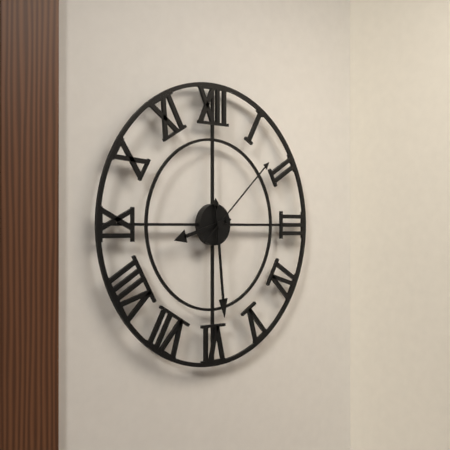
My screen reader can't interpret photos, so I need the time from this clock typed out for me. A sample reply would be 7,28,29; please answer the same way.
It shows 8,29,08
